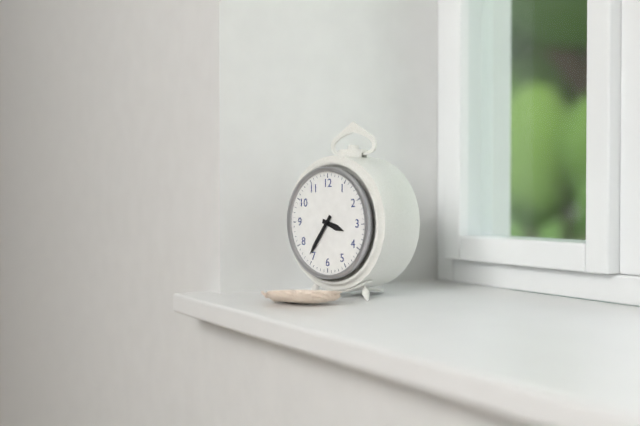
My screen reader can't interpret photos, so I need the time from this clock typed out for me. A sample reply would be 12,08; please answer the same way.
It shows 3,36
